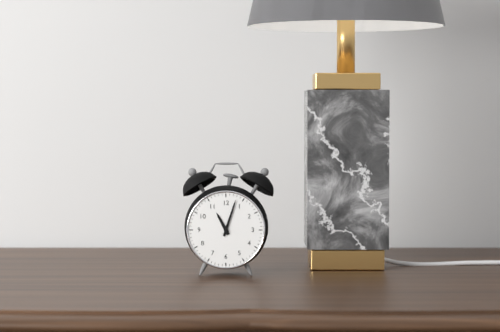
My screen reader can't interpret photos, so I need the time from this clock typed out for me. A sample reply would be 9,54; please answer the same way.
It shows 11,03
